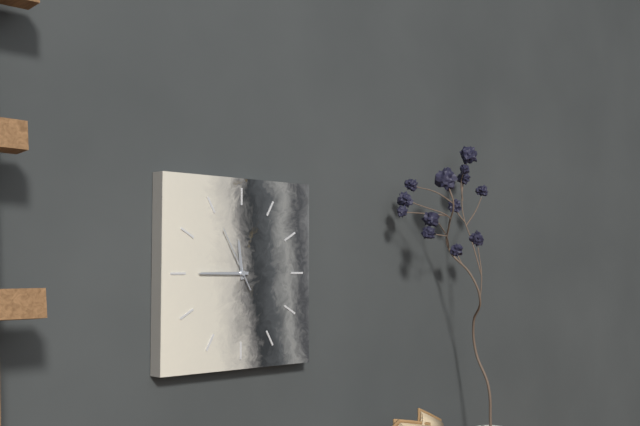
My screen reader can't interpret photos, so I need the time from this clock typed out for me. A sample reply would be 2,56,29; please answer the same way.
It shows 11,45,55
